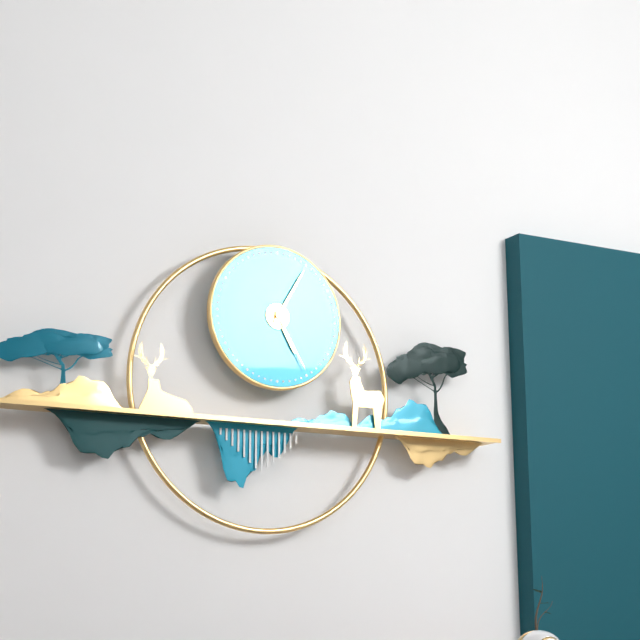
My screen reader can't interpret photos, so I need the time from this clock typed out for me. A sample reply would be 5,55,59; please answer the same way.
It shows 5,05,25
